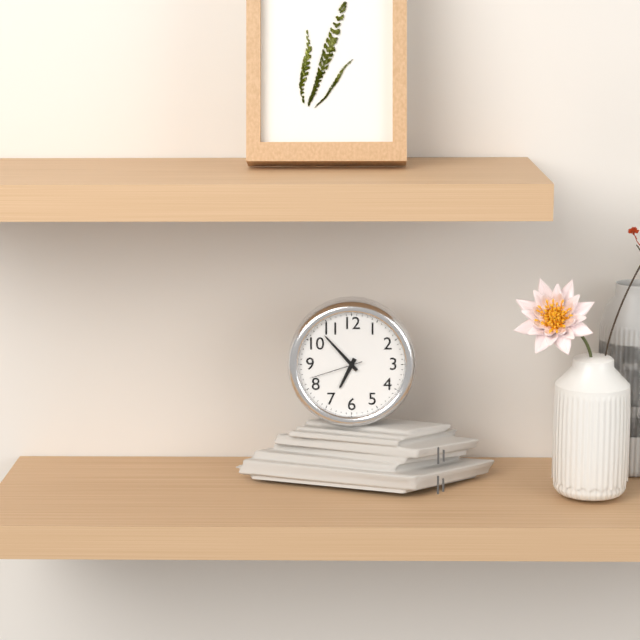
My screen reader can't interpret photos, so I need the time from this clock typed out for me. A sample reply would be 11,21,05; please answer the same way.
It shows 6,53,42
